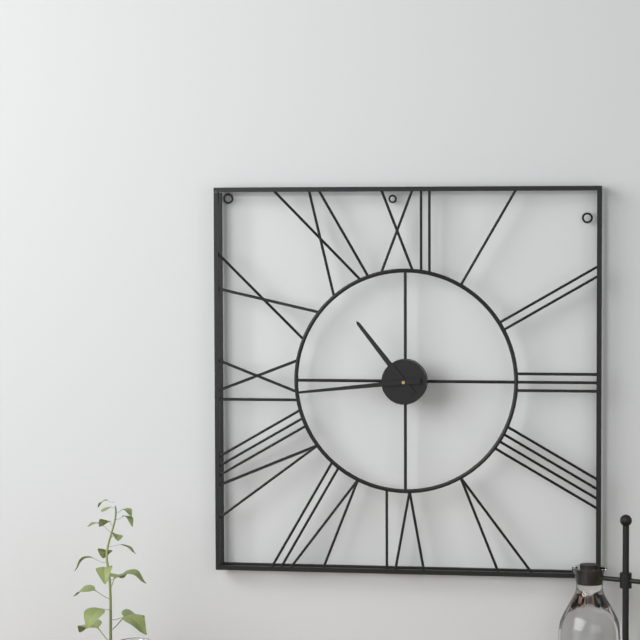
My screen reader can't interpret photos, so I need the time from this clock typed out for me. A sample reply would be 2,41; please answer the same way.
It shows 10,44
